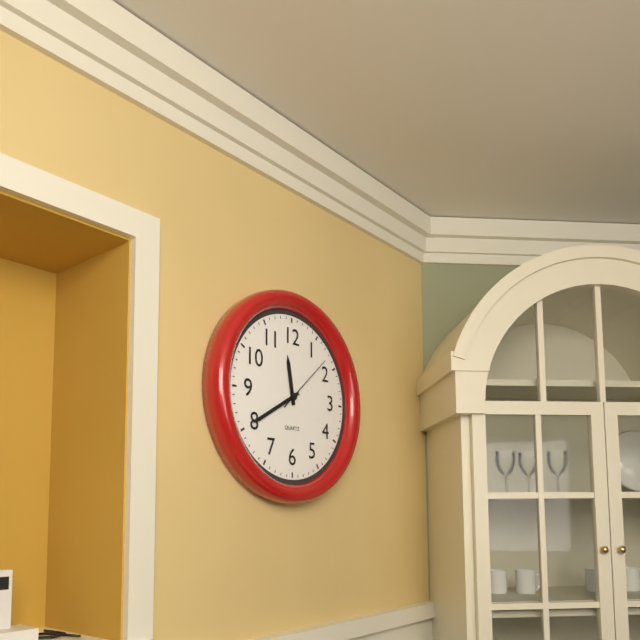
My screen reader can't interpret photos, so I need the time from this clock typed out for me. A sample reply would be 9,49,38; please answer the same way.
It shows 11,40,08
